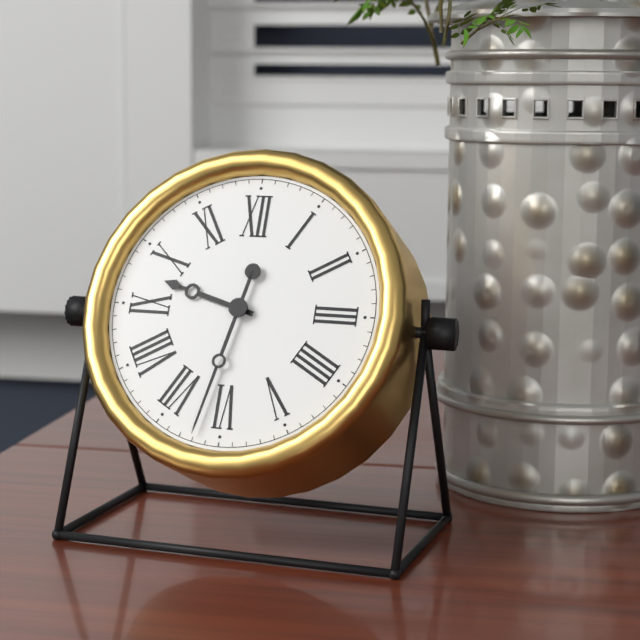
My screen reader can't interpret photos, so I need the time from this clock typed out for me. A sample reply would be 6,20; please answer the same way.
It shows 9,32
